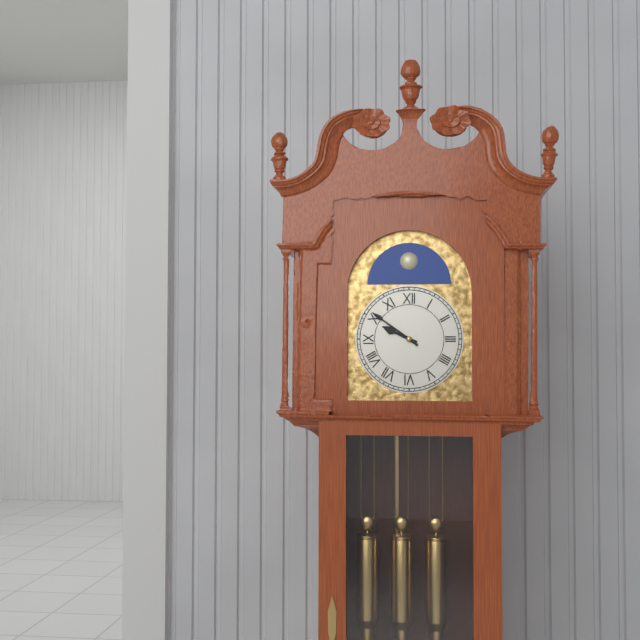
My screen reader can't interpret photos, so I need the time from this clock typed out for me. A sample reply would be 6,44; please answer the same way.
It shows 9,51
